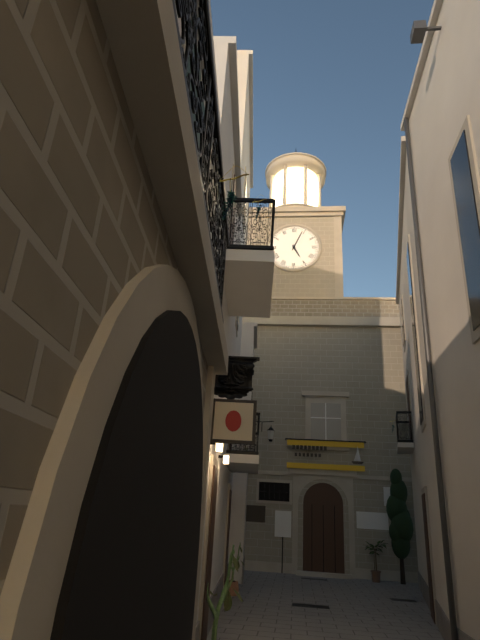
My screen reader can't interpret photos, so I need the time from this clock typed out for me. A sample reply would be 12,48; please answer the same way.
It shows 5,04
